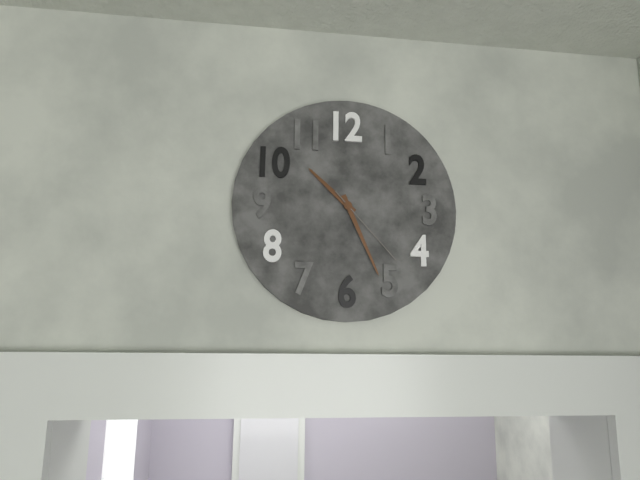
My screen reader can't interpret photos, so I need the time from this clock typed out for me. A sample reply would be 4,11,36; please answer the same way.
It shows 10,26,23
